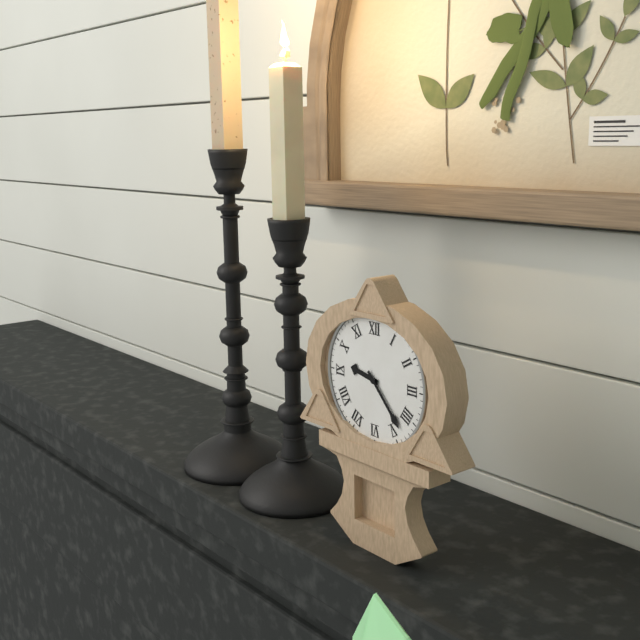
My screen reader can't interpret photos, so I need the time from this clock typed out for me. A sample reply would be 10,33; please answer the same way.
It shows 9,23
